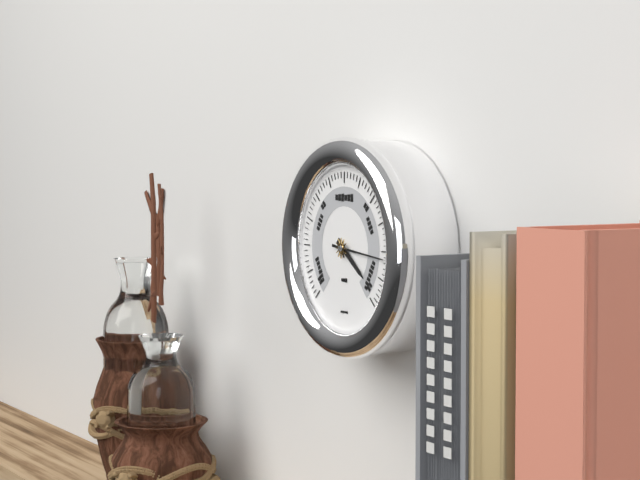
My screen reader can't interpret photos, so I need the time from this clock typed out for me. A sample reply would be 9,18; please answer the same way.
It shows 4,16
